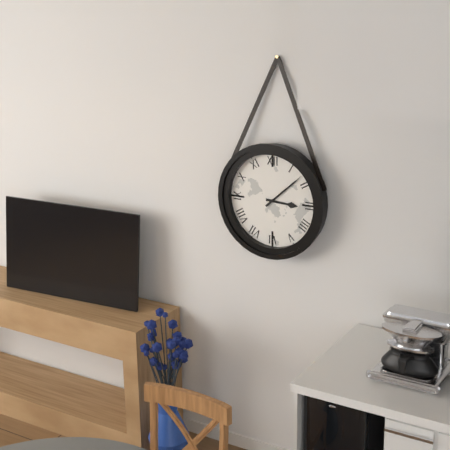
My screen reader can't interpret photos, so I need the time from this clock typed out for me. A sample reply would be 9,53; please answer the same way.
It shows 3,08
